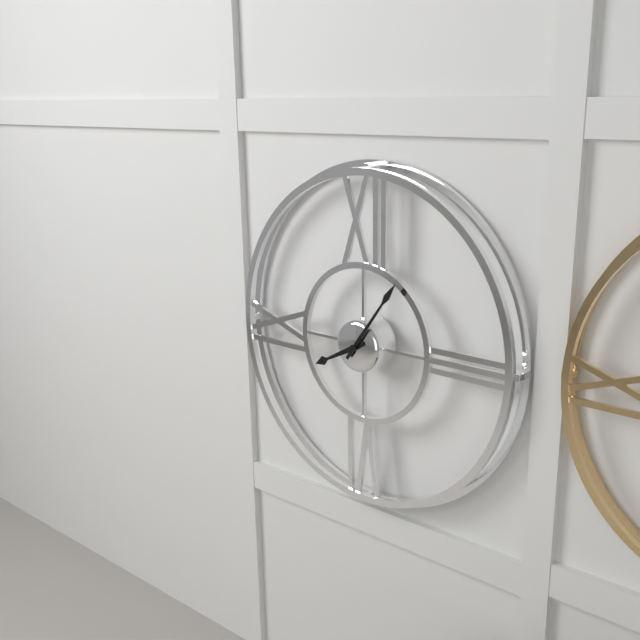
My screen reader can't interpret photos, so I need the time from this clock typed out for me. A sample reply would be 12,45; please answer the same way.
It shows 8,06
